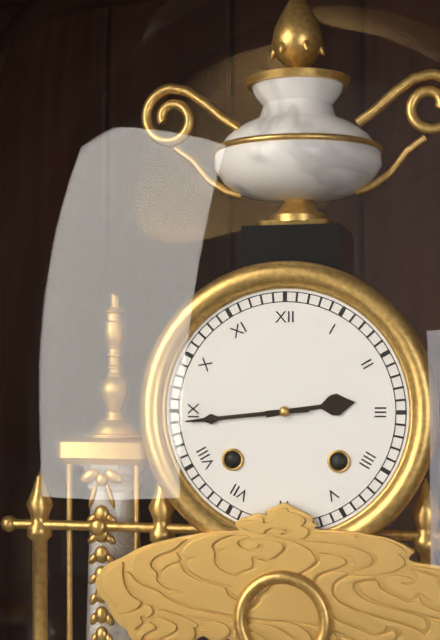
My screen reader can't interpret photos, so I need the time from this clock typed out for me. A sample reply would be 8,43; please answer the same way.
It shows 2,44
